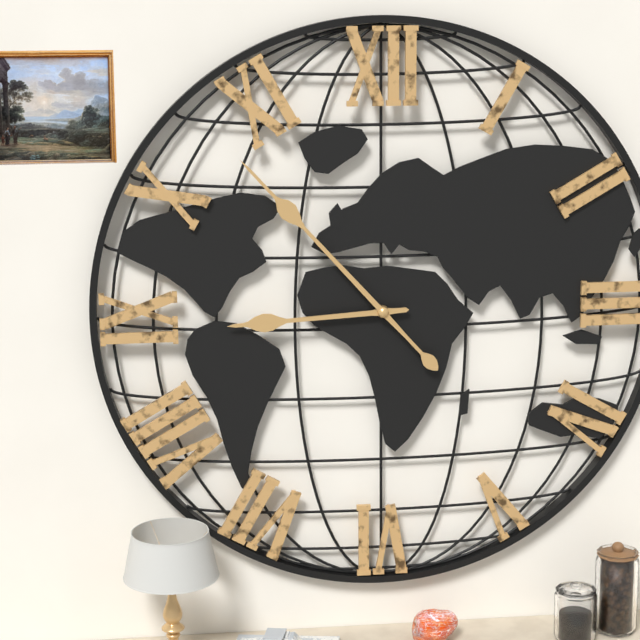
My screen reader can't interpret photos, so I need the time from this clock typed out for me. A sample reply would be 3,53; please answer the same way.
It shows 8,53
